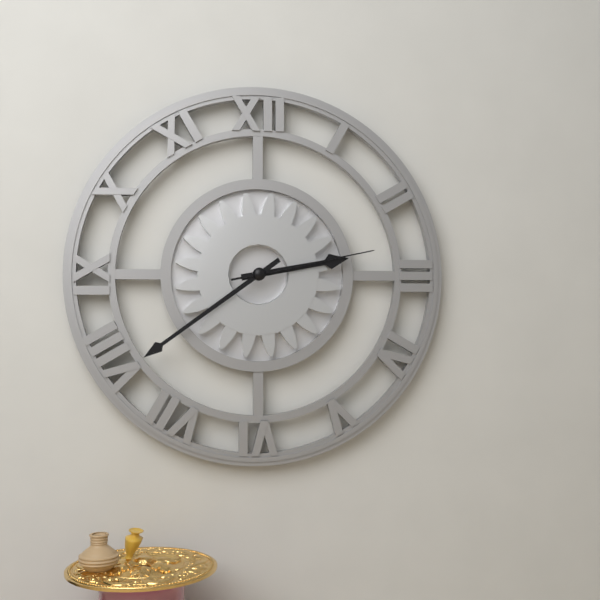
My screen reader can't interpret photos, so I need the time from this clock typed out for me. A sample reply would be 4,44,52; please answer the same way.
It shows 2,39,13
